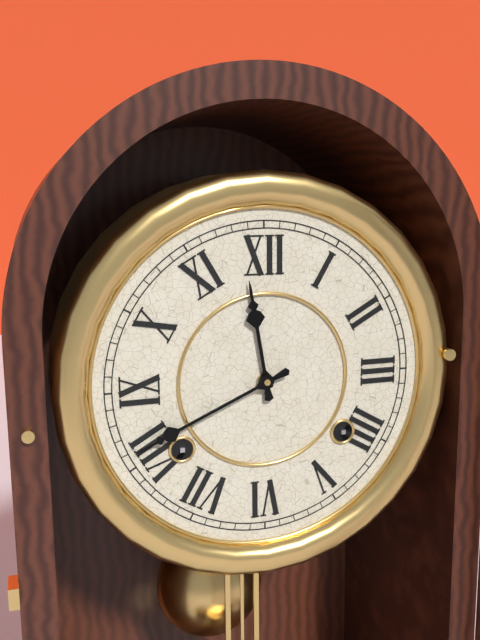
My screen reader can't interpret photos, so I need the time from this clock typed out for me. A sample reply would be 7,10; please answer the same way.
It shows 11,41
